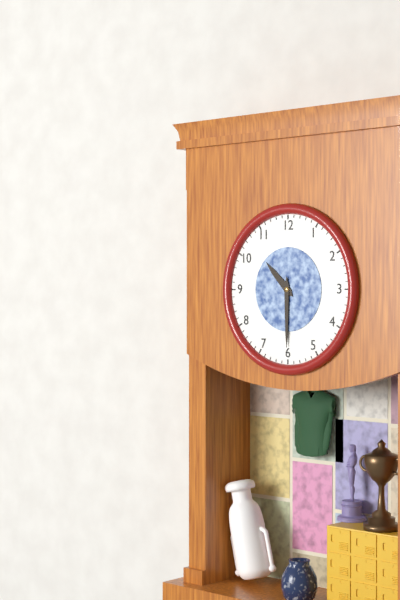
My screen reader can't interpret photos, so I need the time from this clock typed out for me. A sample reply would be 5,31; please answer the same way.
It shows 10,30
